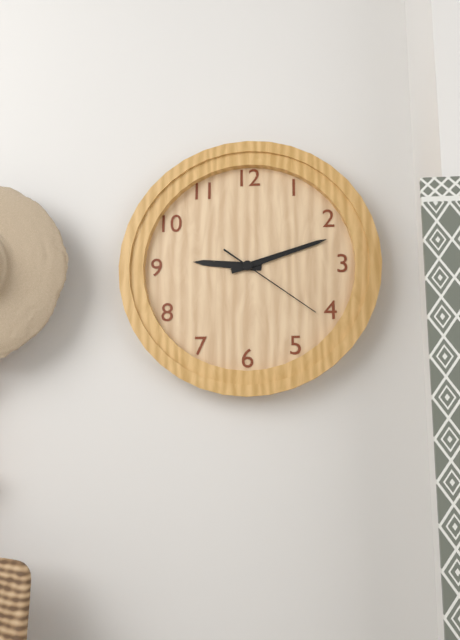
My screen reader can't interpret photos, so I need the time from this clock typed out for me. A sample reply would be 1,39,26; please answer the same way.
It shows 9,12,21
